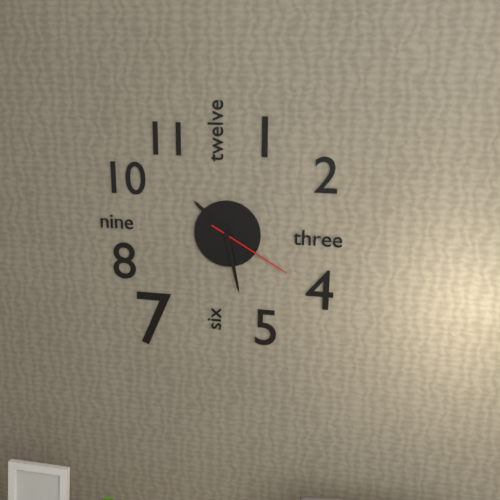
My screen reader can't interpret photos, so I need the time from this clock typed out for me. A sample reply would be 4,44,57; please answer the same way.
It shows 10,28,20
